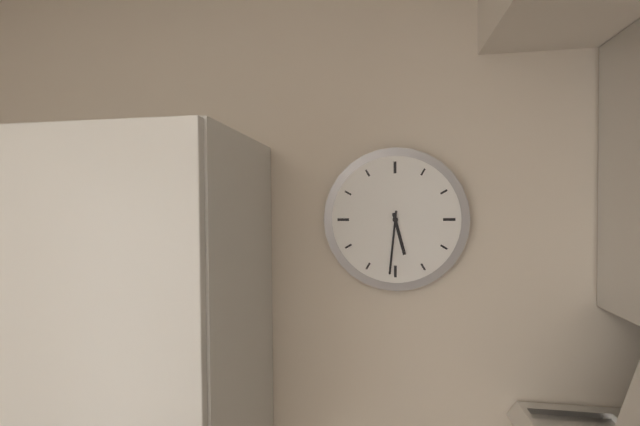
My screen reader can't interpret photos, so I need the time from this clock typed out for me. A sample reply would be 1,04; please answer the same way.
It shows 5,31
